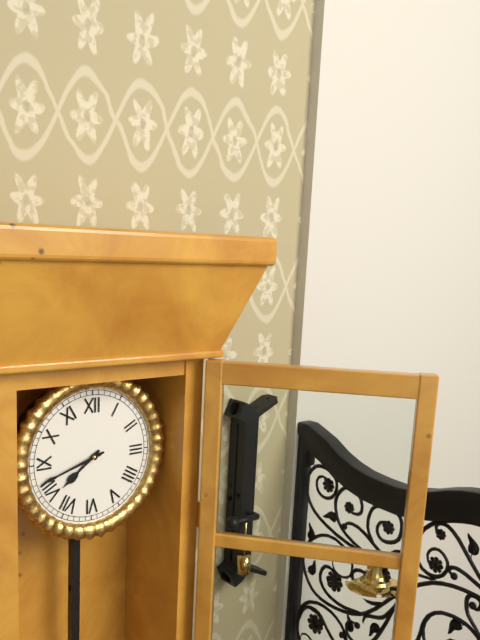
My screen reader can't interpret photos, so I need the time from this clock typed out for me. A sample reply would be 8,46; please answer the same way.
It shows 7,42
